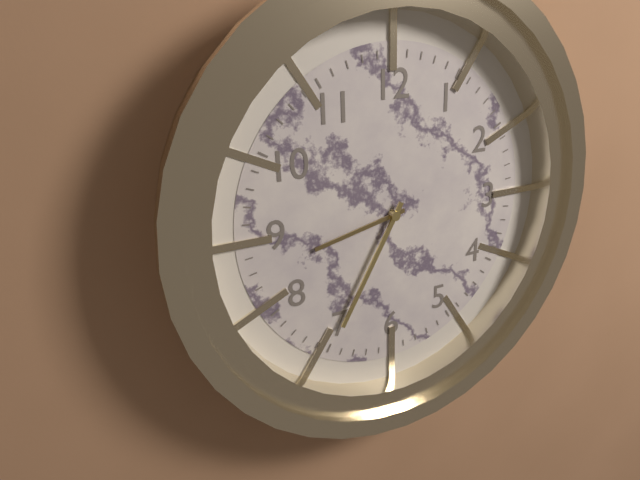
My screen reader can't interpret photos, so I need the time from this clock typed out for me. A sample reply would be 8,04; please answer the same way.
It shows 8,35
